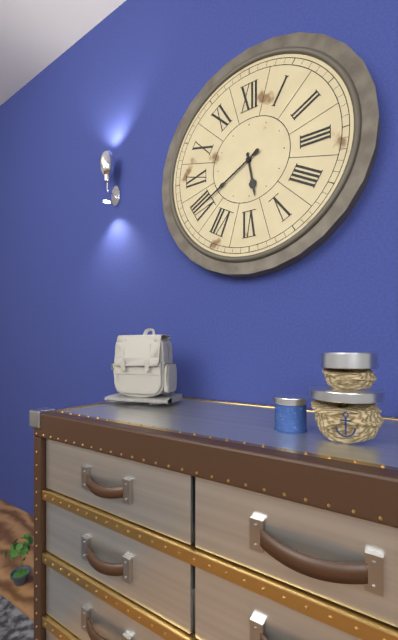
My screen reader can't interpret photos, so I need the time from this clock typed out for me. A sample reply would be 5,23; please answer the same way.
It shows 5,40
